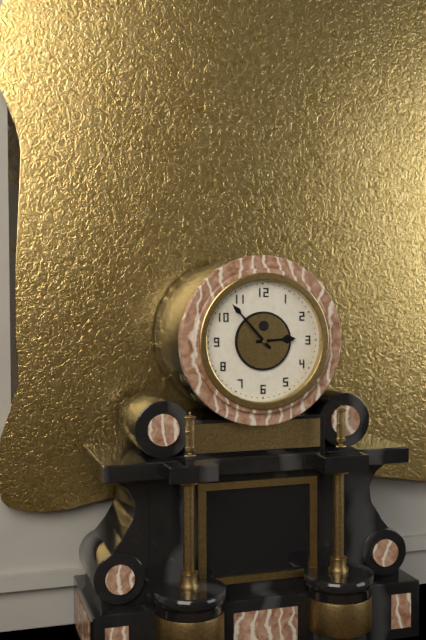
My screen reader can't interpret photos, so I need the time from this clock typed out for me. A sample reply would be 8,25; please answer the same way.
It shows 2,53
